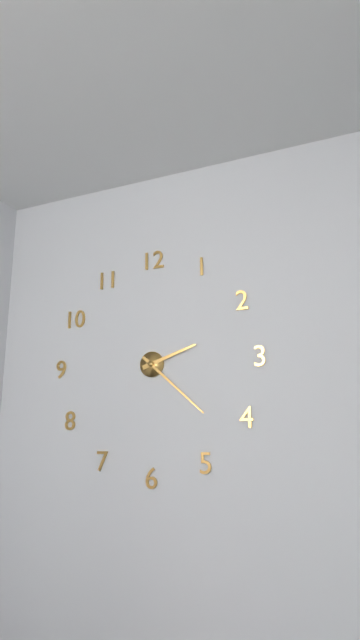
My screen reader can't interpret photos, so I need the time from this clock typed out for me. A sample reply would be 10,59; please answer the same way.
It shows 2,22
